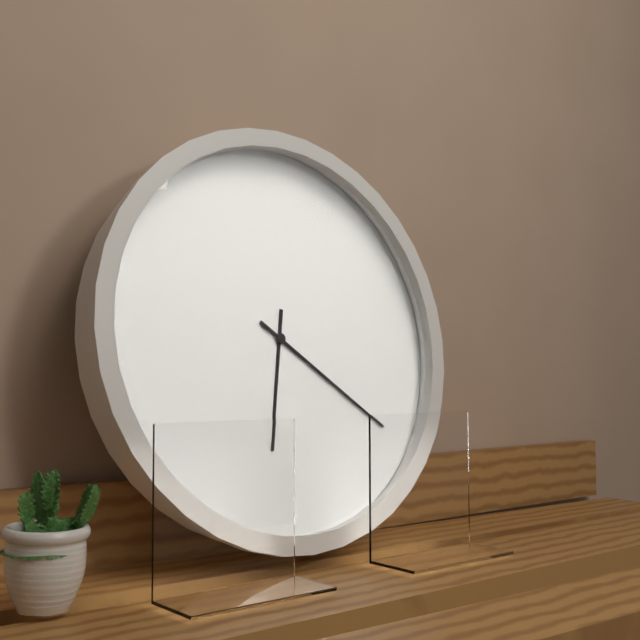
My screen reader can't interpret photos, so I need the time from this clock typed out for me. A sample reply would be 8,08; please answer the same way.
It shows 6,21
